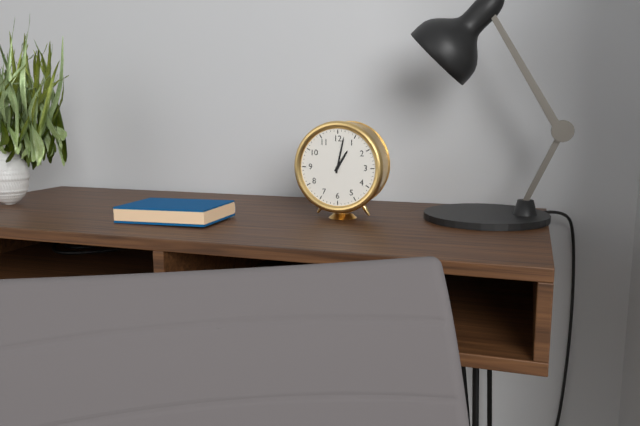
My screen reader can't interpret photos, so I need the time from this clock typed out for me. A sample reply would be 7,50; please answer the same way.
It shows 1,02
